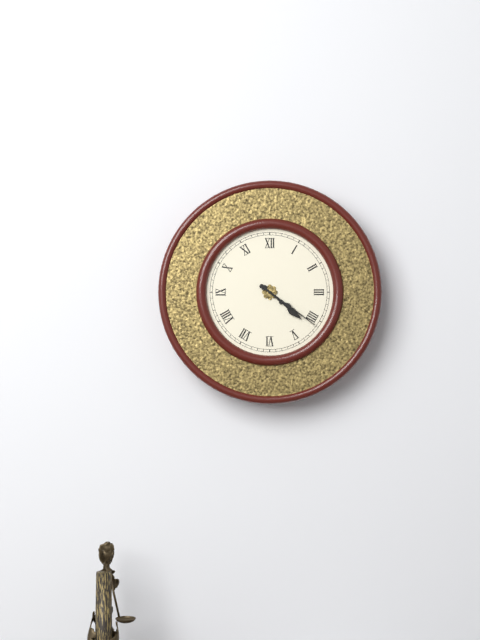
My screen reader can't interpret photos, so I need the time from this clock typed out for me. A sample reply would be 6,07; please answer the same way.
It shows 4,21
